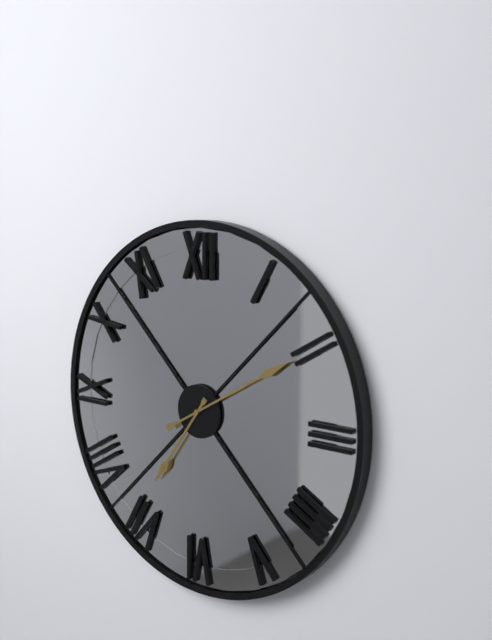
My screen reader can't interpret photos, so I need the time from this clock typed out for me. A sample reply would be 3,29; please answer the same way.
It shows 7,10
